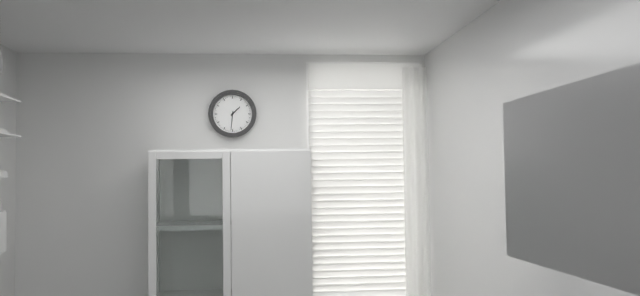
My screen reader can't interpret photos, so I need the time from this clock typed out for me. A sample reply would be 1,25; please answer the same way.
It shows 1,31
